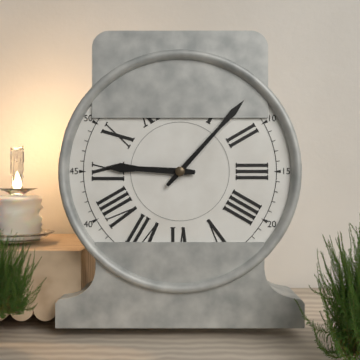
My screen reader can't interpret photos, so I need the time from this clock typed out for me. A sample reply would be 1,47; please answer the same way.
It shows 9,07
